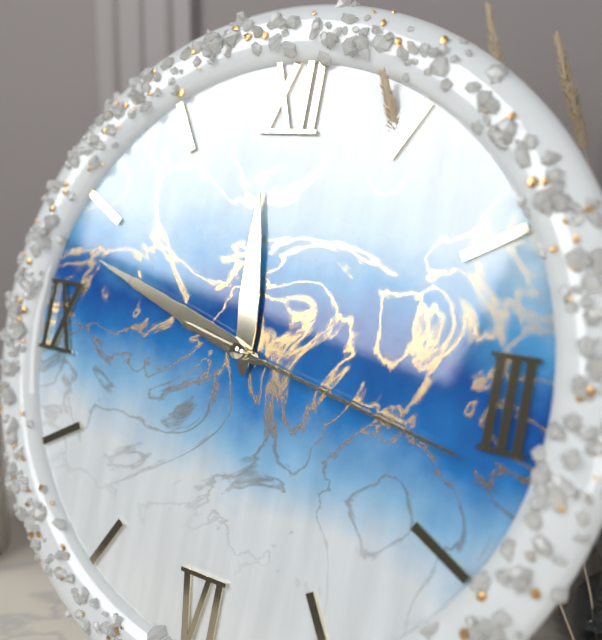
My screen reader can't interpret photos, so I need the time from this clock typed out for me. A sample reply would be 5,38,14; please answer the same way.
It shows 11,48,17
